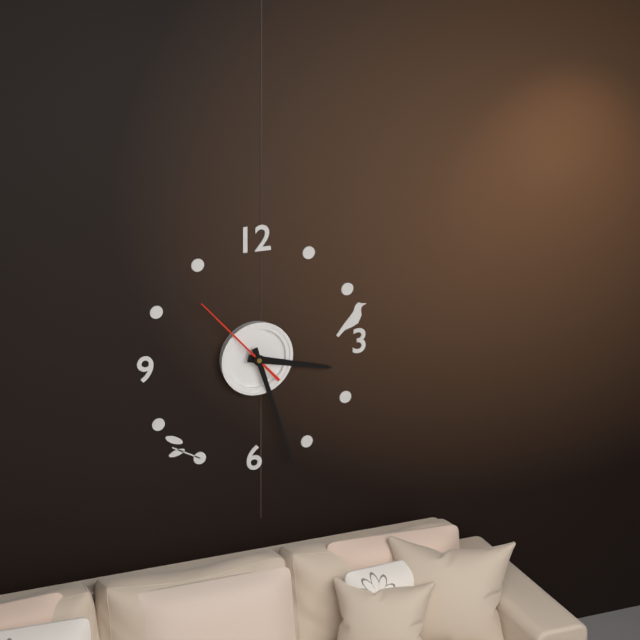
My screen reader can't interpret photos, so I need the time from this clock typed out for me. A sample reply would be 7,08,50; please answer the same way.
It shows 3,27,53
